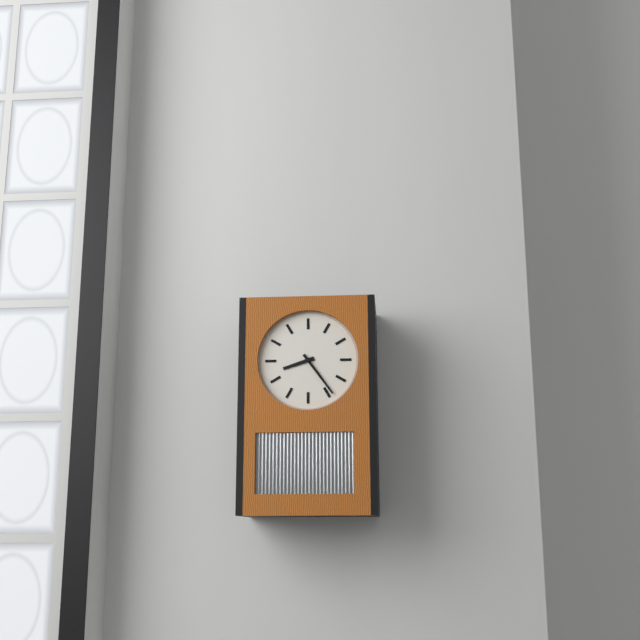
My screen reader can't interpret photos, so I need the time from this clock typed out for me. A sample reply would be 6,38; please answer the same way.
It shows 8,24
